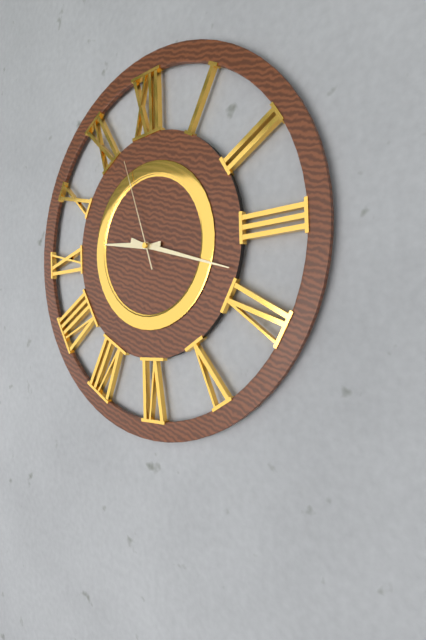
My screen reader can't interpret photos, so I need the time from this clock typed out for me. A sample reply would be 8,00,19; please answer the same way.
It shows 9,18,57
